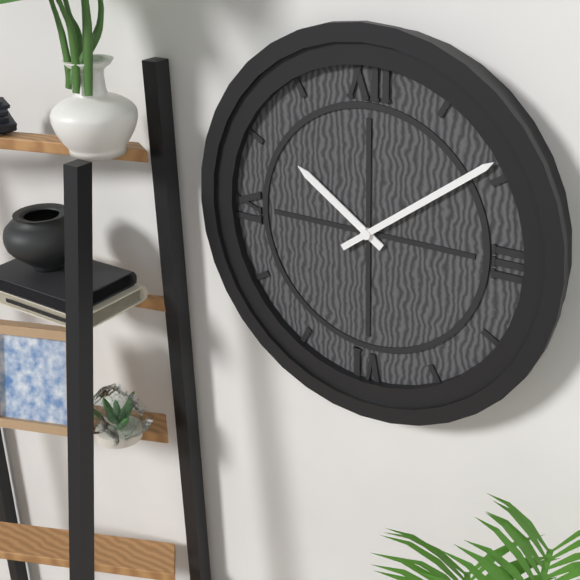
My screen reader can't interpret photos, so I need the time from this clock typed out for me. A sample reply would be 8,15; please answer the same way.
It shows 10,09
